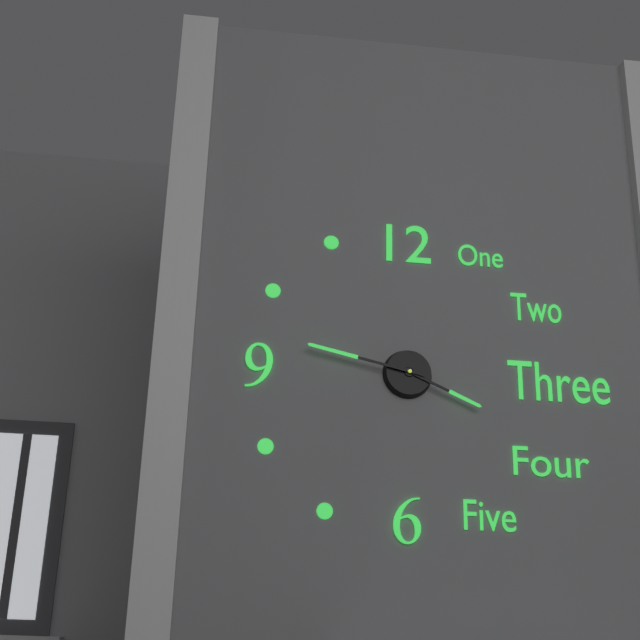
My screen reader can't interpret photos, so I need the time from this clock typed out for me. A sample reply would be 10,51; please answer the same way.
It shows 3,47
